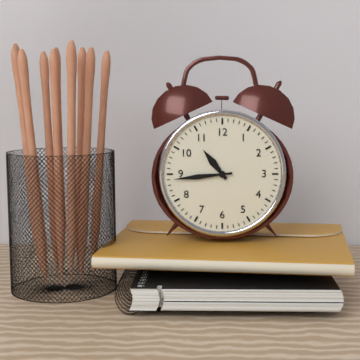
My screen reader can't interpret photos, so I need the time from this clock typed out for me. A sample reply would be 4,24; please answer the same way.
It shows 10,44
